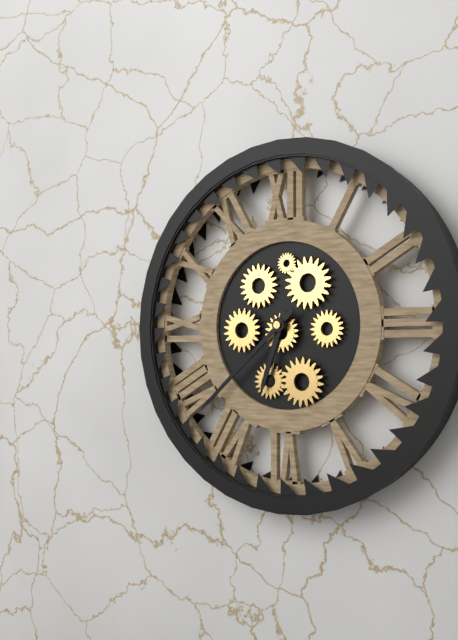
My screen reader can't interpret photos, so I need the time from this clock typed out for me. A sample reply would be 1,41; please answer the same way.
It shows 6,38
